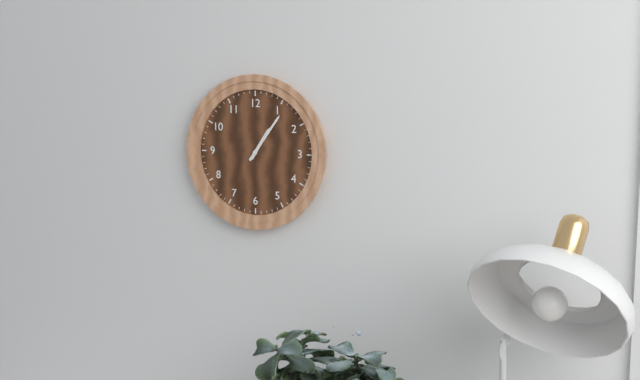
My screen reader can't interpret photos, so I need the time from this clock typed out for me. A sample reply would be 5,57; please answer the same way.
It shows 1,06
